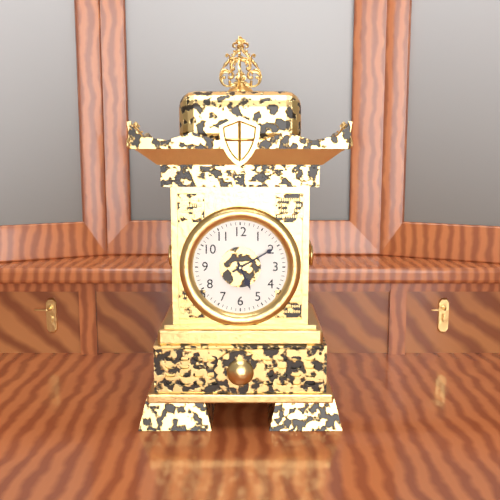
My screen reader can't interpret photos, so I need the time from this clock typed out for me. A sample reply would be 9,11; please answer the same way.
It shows 5,10
